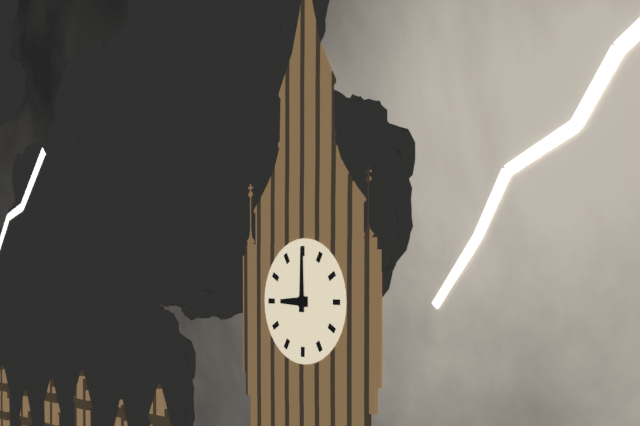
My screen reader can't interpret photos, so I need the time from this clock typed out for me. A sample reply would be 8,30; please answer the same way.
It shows 9,00
